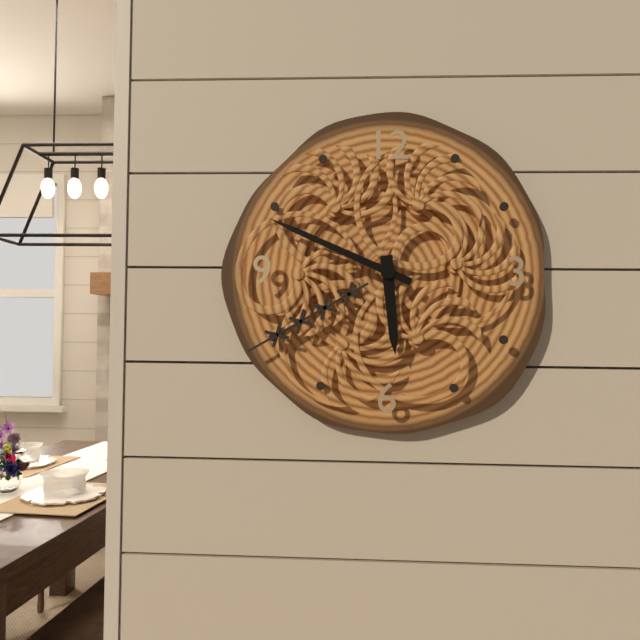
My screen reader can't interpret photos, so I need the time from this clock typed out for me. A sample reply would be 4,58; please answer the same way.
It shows 5,49
